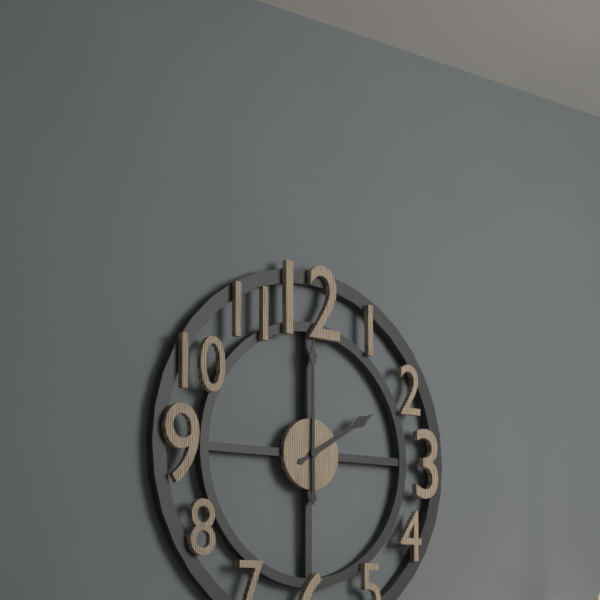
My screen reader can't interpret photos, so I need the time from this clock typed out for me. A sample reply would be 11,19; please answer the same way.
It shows 2,00
